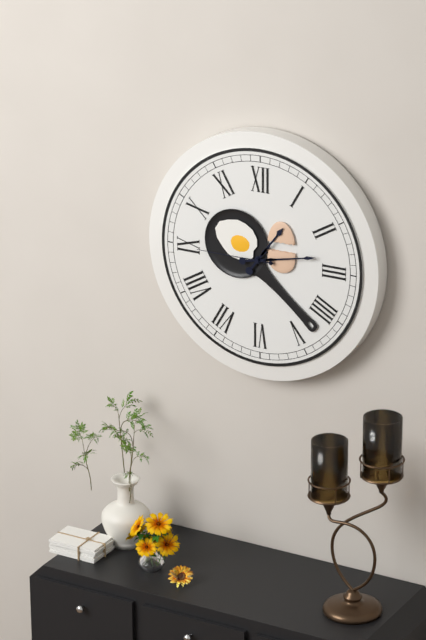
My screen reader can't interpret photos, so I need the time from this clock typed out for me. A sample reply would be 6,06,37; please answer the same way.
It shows 1,13,45
